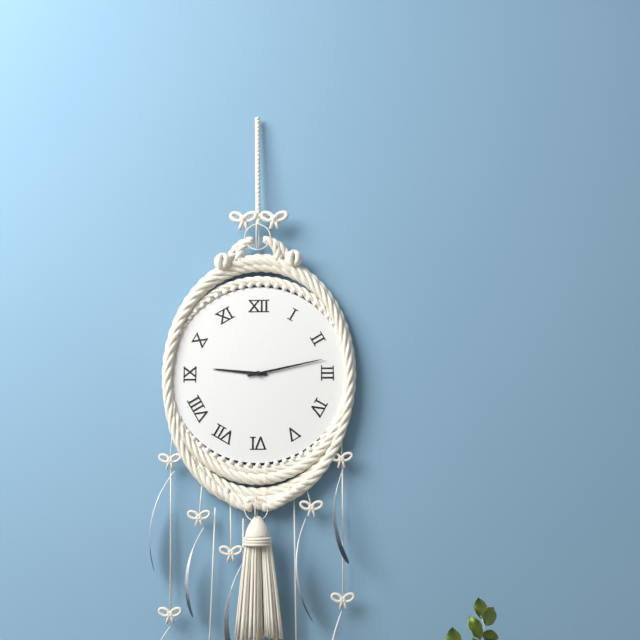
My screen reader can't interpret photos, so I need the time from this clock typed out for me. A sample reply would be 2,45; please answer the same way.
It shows 9,13
